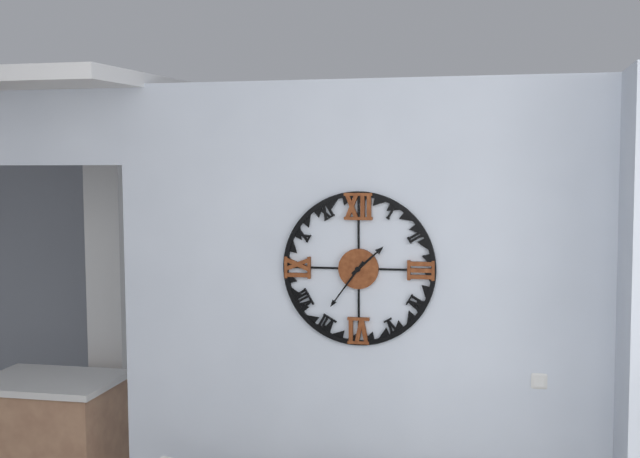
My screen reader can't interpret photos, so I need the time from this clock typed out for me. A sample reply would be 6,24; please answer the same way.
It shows 1,36
